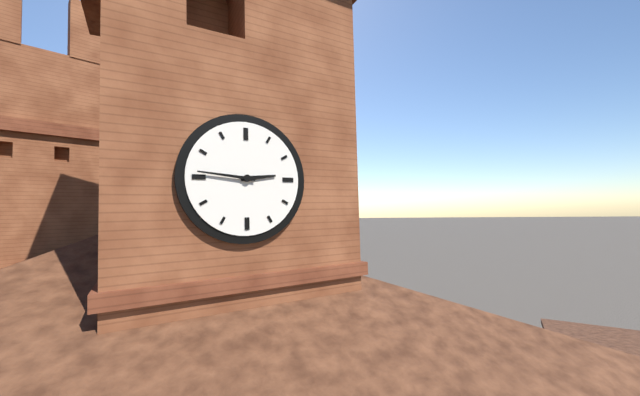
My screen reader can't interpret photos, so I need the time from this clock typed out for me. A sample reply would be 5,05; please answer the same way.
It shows 2,46
